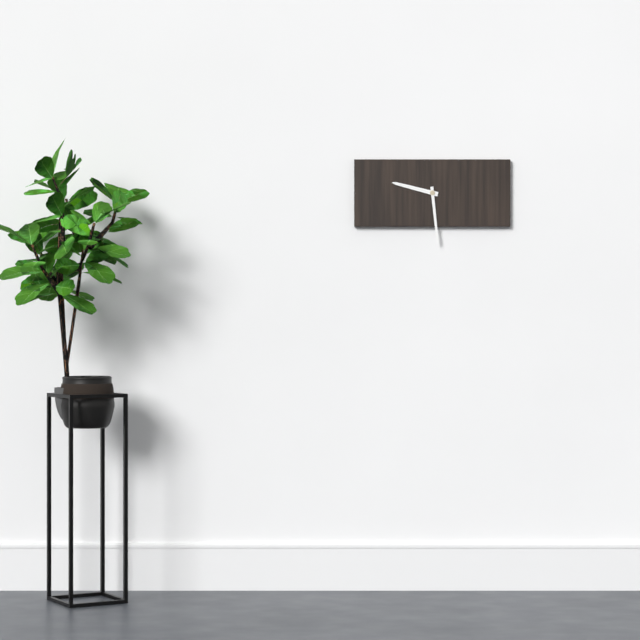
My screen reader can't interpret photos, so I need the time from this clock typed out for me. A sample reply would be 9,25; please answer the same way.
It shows 9,29
